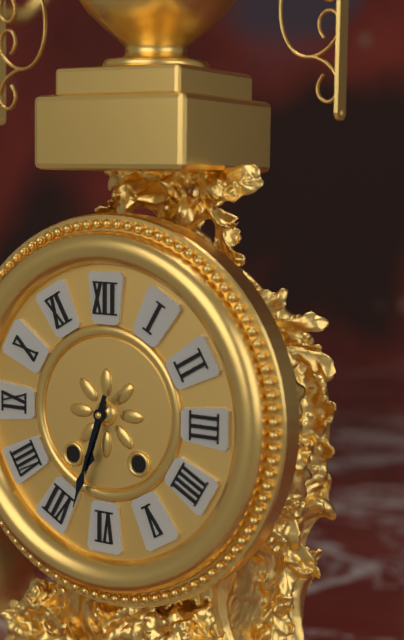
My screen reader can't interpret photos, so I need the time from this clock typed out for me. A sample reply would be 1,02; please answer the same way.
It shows 6,33
